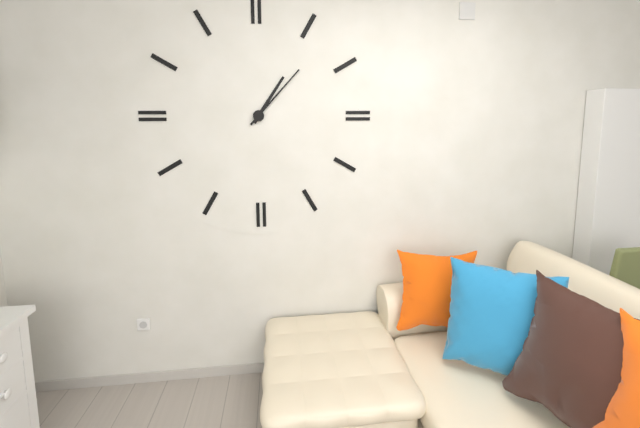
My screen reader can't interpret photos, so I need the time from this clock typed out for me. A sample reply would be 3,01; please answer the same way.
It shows 1,07
